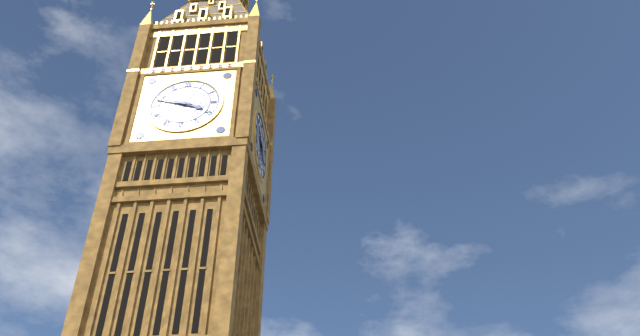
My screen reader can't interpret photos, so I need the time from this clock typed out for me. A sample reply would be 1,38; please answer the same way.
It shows 3,48
